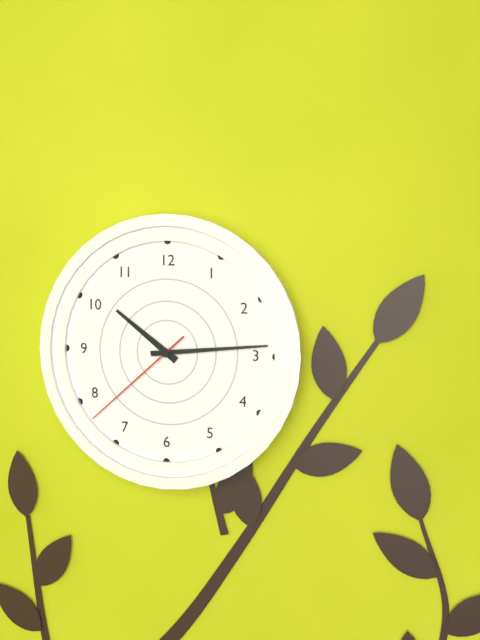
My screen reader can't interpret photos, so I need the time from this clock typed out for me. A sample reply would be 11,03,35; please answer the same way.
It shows 10,14,38
